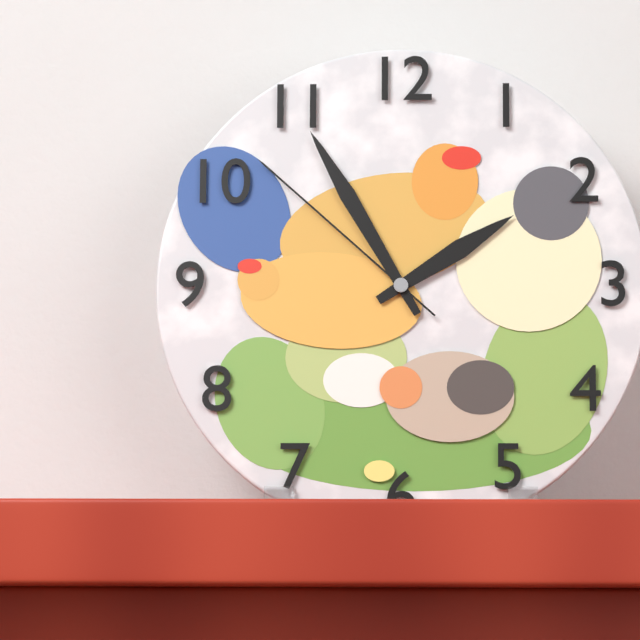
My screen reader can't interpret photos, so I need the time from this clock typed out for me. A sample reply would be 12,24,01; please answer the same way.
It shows 1,55,52
